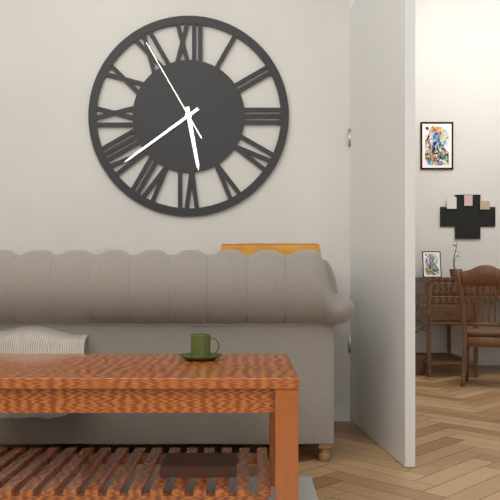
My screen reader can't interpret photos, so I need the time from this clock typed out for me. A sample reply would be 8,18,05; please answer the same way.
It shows 5,39,55
